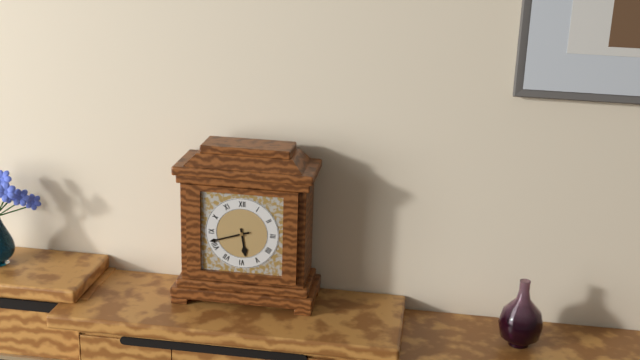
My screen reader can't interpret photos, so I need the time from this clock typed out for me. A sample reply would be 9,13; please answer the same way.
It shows 5,42
